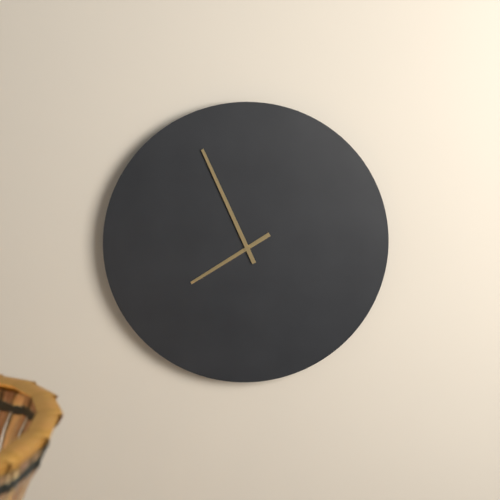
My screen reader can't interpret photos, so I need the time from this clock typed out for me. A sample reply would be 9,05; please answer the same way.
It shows 7,56
